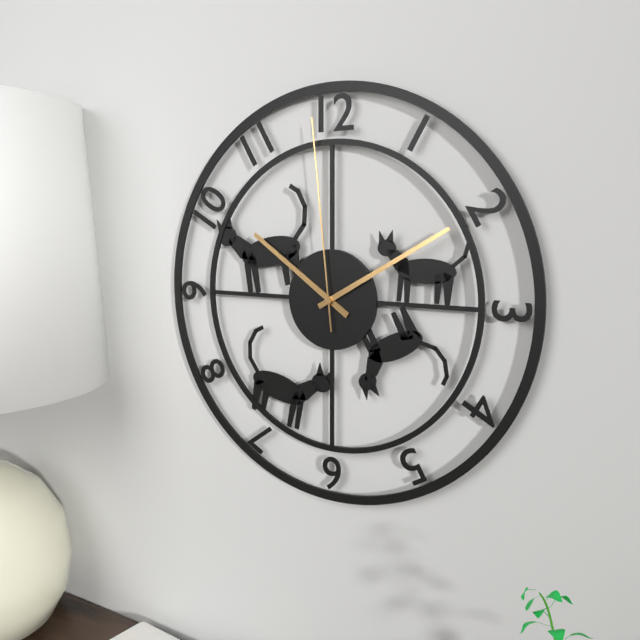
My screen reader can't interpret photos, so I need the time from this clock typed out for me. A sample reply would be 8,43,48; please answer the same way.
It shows 10,10,59
